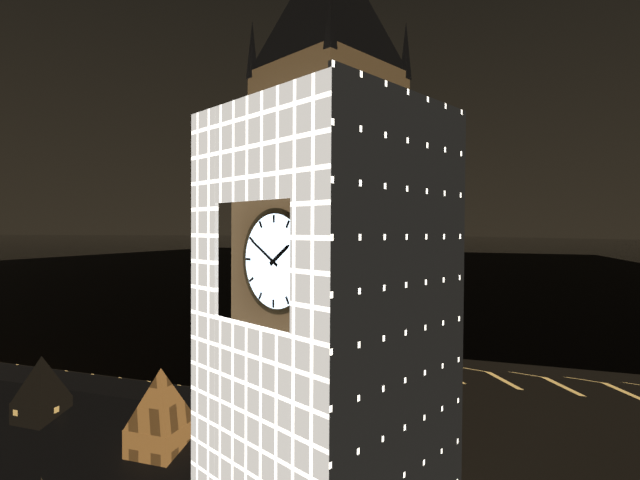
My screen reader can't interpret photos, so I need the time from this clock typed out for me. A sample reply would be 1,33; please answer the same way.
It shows 1,50
